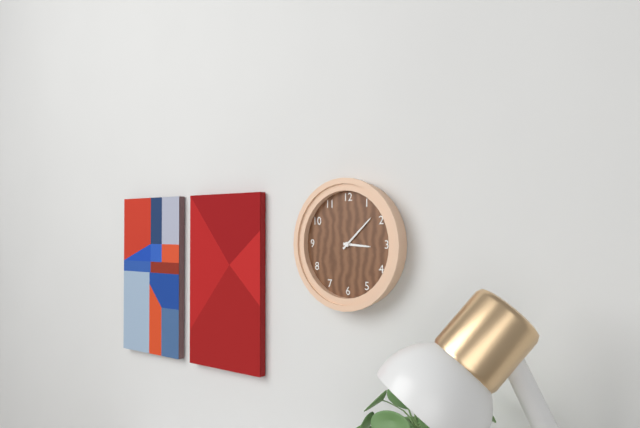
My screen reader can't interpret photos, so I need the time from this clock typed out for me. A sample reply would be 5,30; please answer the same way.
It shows 3,08
